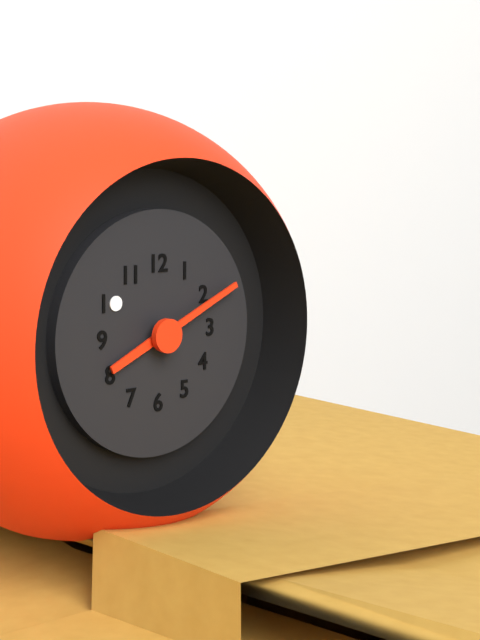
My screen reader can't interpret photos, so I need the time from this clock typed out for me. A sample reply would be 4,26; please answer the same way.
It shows 8,11
